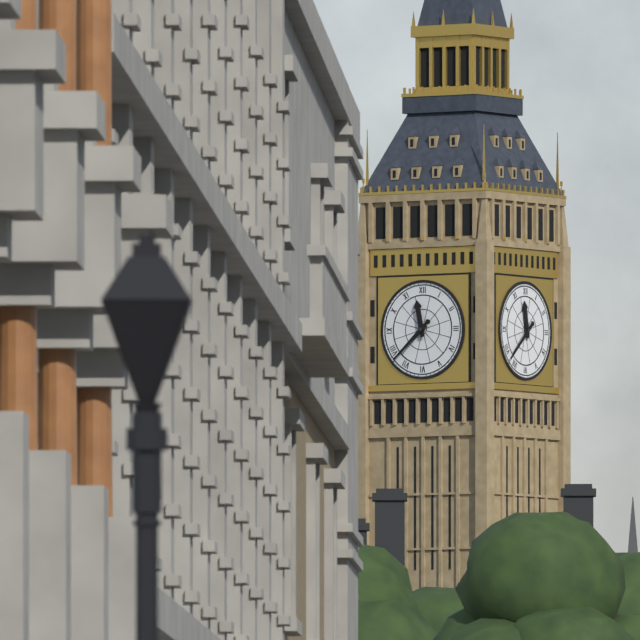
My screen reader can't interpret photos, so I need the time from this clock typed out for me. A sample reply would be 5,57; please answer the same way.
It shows 11,38
